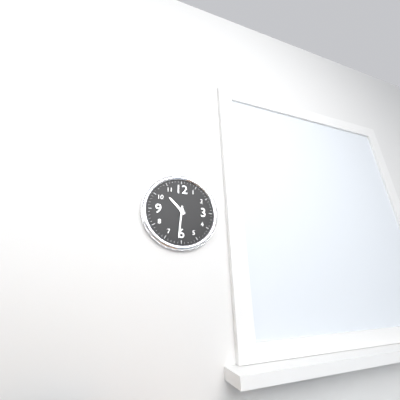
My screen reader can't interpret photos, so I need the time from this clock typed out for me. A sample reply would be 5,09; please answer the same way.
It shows 10,31
